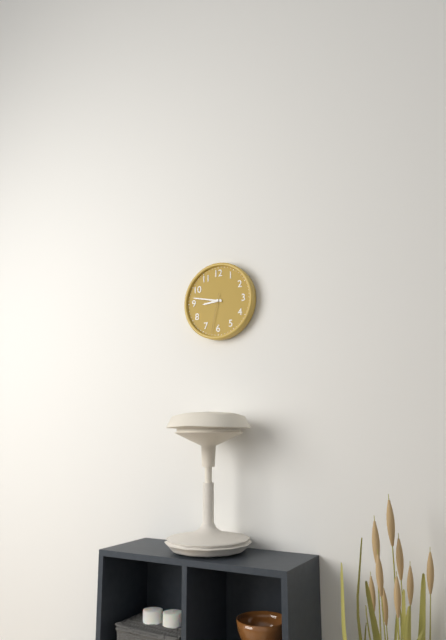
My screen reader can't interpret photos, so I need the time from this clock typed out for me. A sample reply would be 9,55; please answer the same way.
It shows 8,47
